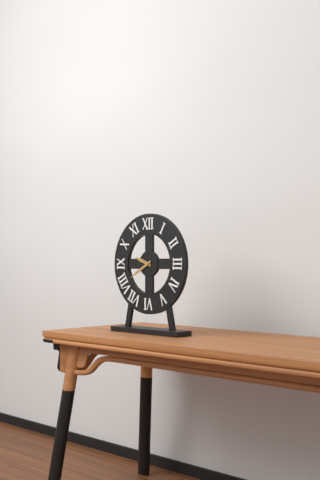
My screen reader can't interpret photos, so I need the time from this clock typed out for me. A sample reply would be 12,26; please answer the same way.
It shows 9,40
